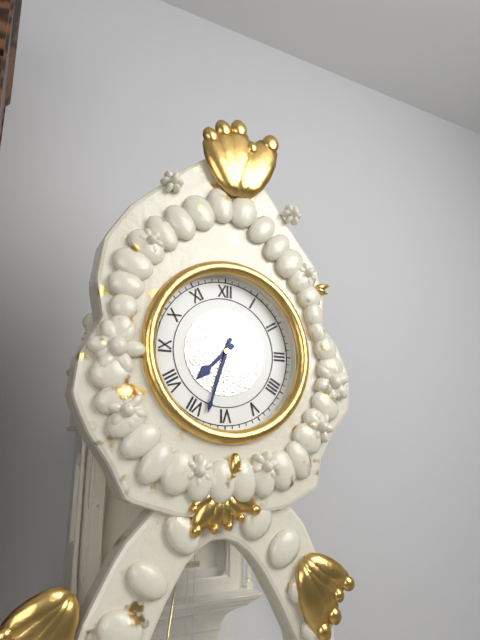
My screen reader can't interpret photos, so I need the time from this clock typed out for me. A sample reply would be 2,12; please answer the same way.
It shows 7,33
